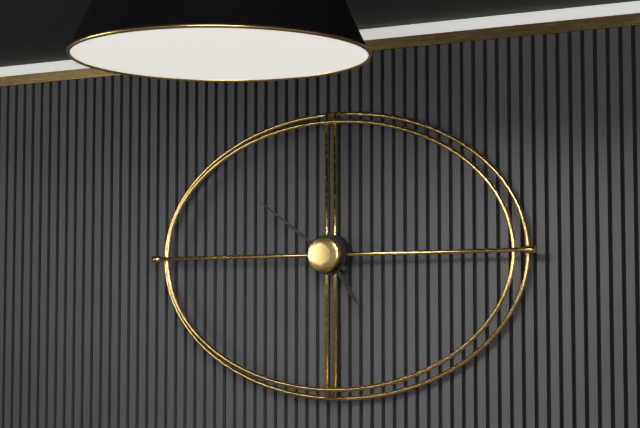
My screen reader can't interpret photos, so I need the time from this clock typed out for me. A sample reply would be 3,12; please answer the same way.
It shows 4,51
